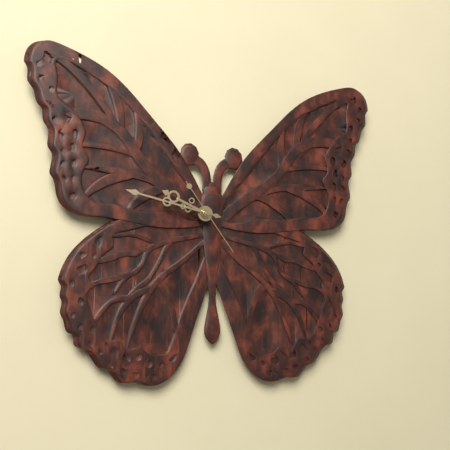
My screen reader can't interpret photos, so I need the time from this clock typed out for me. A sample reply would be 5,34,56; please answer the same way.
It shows 9,47,24
